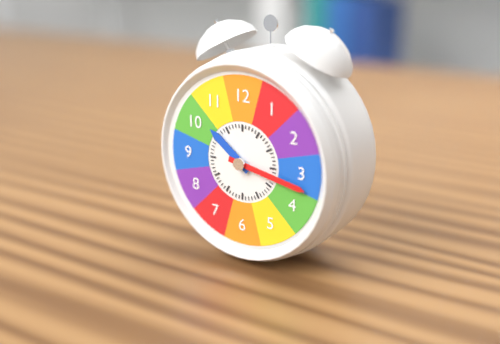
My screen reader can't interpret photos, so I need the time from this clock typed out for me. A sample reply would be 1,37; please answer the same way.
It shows 10,17
